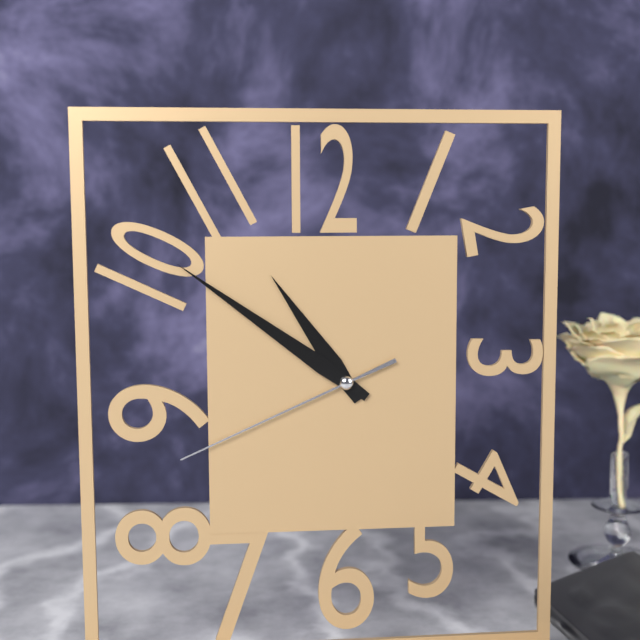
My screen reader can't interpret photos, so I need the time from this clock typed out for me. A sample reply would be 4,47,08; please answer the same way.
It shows 10,51,41
